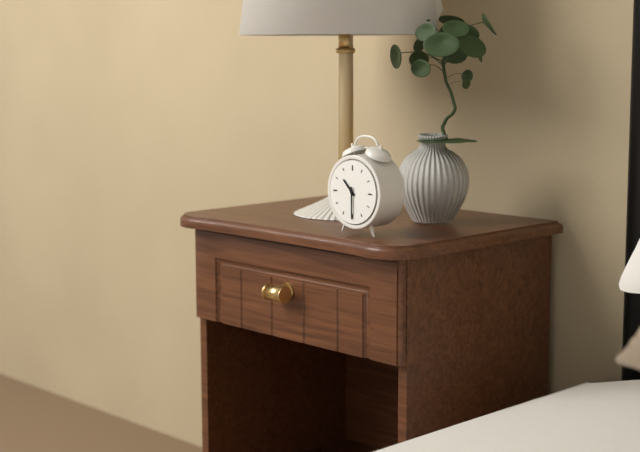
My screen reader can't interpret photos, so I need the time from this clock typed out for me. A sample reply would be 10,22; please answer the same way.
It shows 10,30
